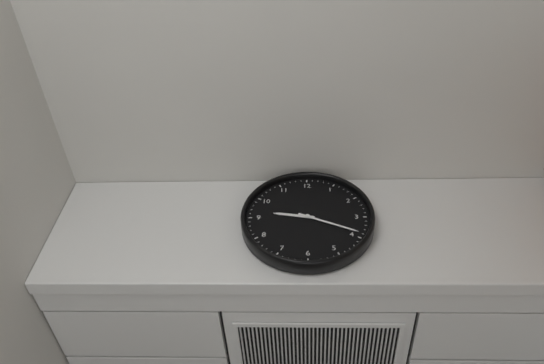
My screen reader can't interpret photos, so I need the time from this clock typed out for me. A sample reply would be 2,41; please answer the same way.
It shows 9,19
